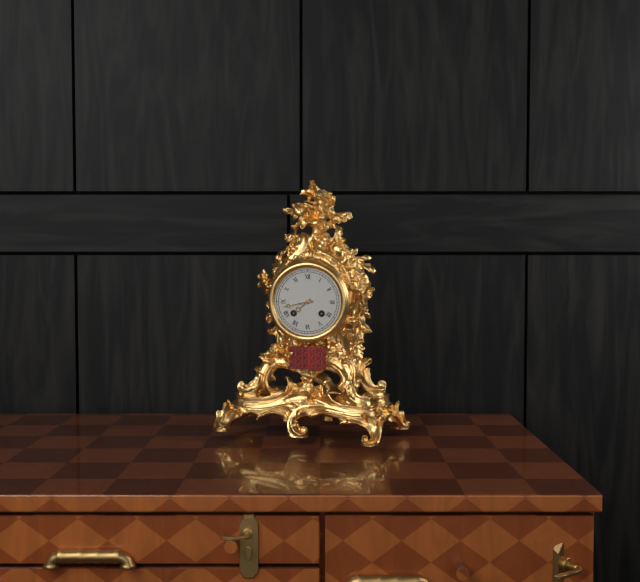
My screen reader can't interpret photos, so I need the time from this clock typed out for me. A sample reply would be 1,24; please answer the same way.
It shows 7,43
